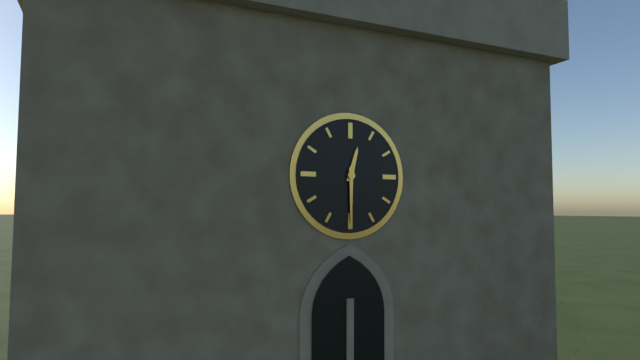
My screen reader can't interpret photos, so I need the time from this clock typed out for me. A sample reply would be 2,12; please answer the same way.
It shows 12,30
